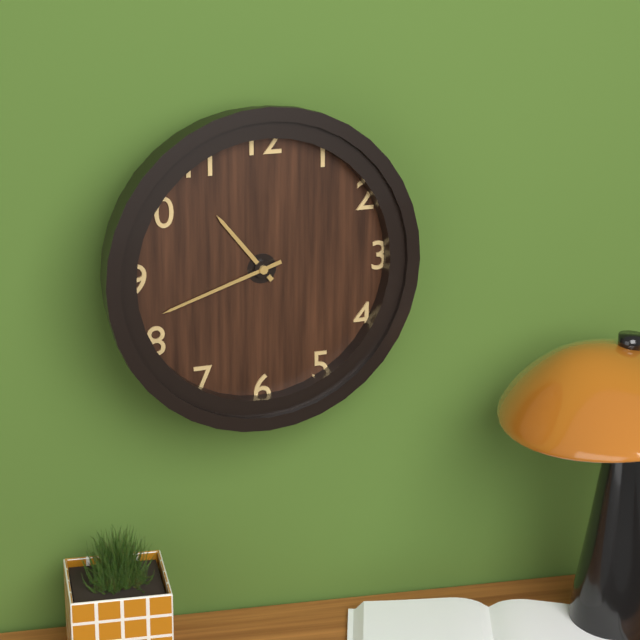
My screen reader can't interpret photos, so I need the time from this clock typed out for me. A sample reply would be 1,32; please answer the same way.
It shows 10,42
